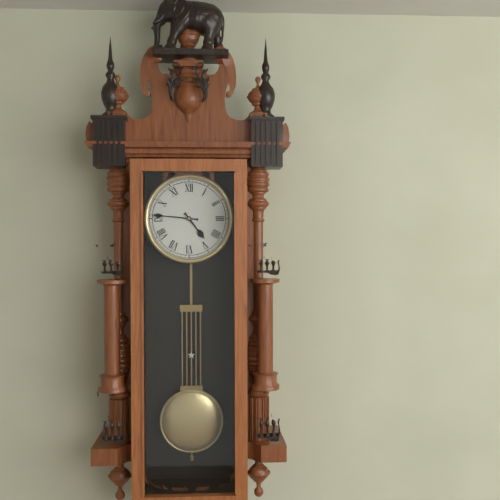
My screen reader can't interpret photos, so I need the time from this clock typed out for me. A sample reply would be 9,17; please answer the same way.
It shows 4,46
